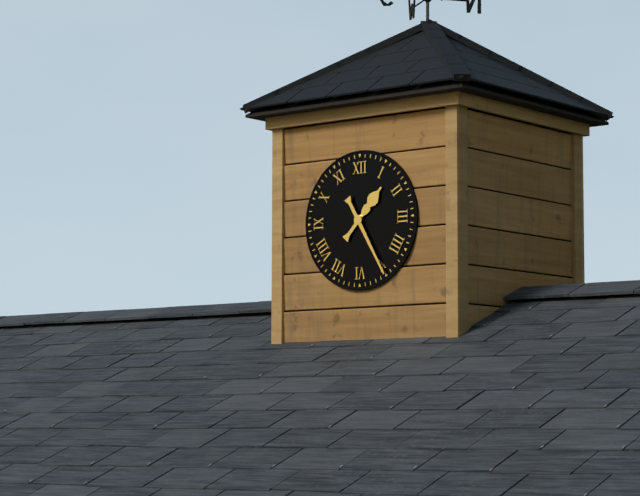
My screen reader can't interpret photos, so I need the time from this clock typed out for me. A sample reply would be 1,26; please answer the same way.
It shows 1,25
